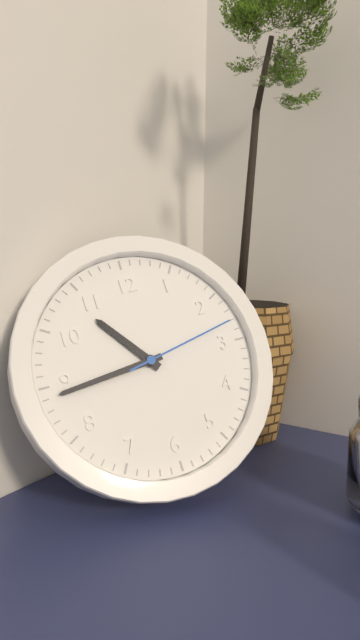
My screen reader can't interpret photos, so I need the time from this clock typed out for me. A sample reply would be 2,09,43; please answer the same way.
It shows 10,44,13
